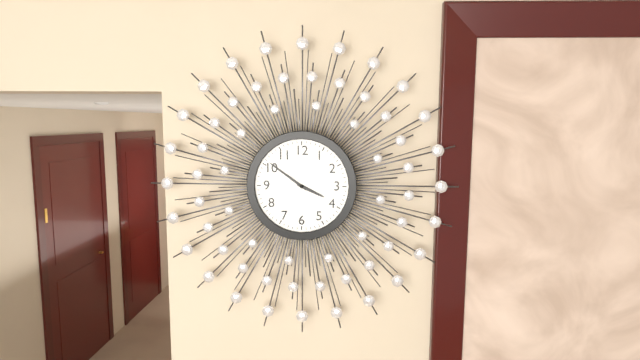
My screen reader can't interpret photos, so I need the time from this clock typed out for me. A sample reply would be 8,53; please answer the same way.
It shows 3,51
